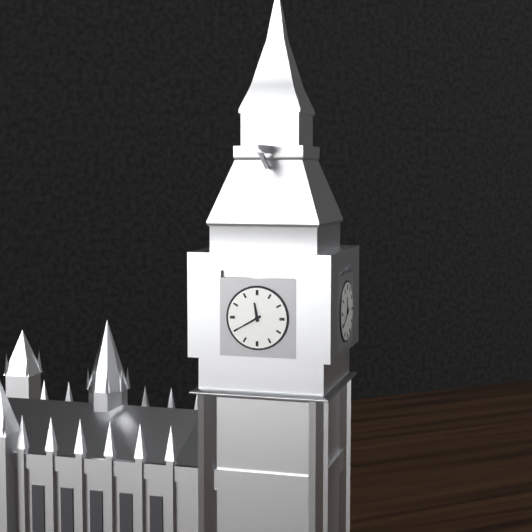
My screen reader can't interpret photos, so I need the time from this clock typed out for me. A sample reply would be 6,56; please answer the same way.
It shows 11,40
